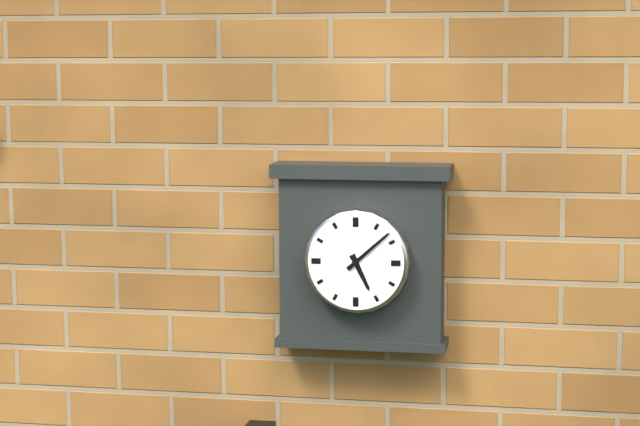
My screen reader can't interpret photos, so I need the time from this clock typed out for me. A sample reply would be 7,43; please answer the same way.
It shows 5,08
